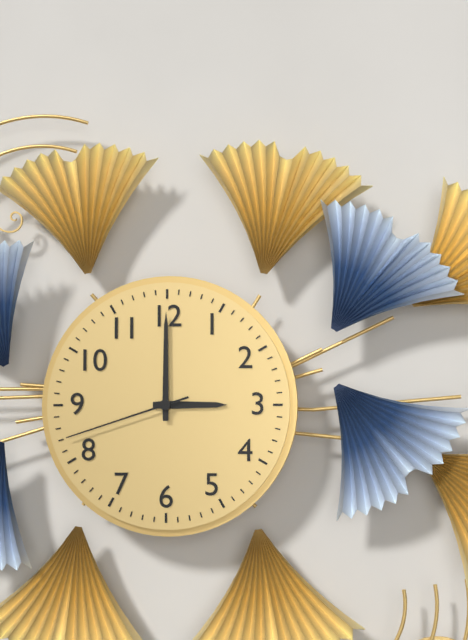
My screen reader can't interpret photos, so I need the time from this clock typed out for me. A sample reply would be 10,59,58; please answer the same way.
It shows 3,00,42
